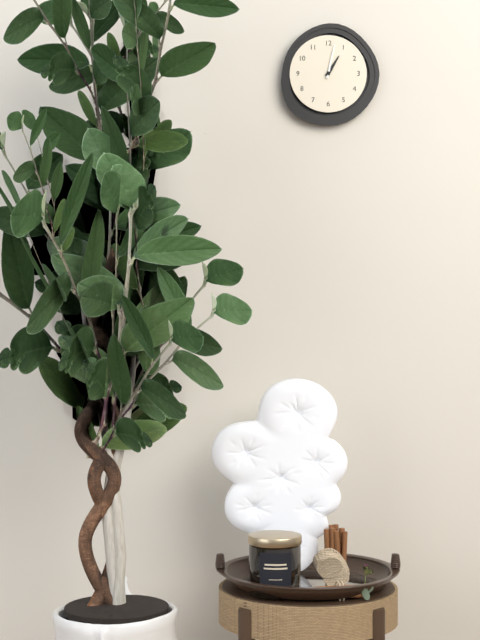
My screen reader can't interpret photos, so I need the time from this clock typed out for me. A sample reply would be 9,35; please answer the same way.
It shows 1,02
